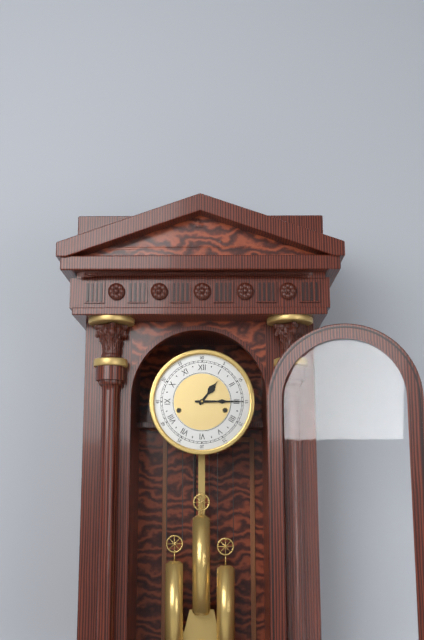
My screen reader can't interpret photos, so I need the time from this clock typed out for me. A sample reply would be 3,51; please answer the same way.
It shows 1,15
